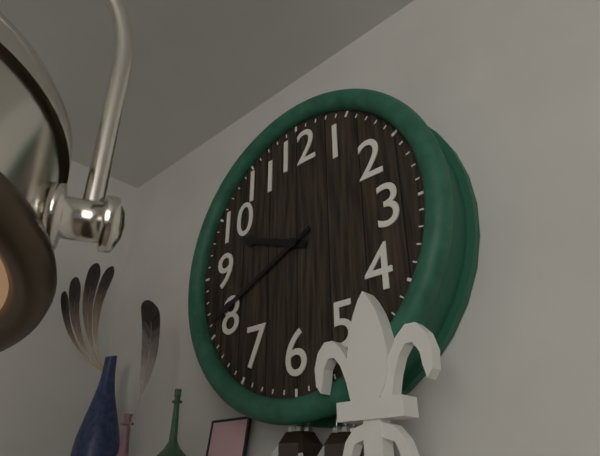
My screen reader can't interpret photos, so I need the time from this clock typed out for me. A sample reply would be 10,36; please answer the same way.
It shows 9,41
